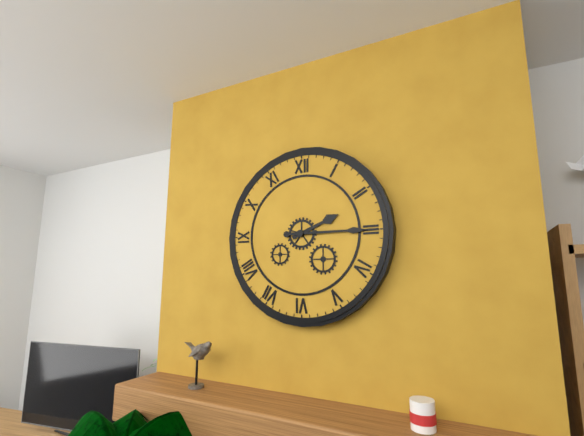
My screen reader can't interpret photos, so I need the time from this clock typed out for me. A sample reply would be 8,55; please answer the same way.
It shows 2,15
